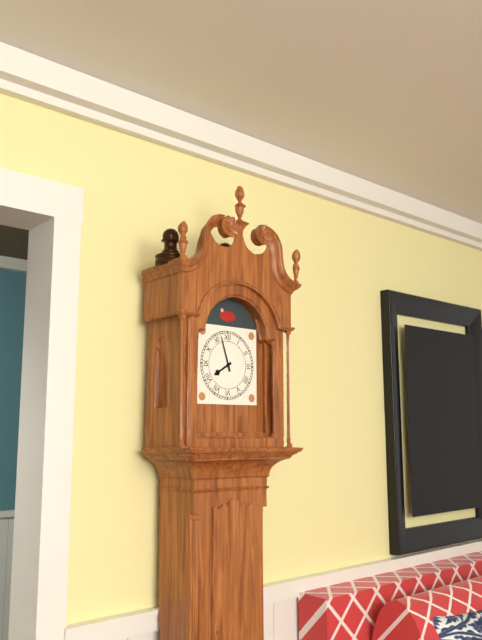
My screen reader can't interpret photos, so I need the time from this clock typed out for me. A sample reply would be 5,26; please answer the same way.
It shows 7,57
